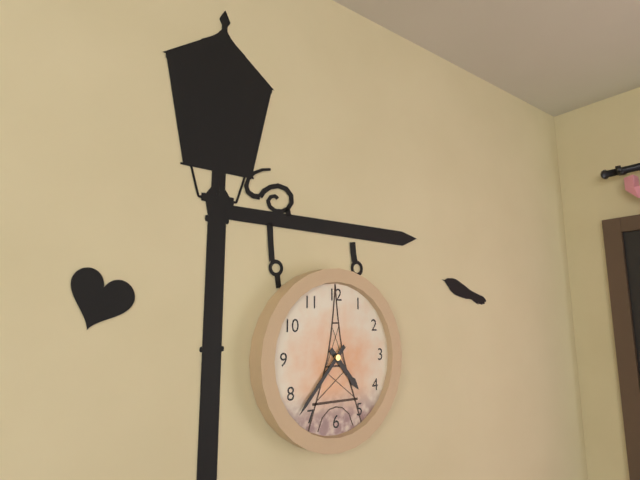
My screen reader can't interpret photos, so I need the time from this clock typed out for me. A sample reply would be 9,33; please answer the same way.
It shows 4,37
